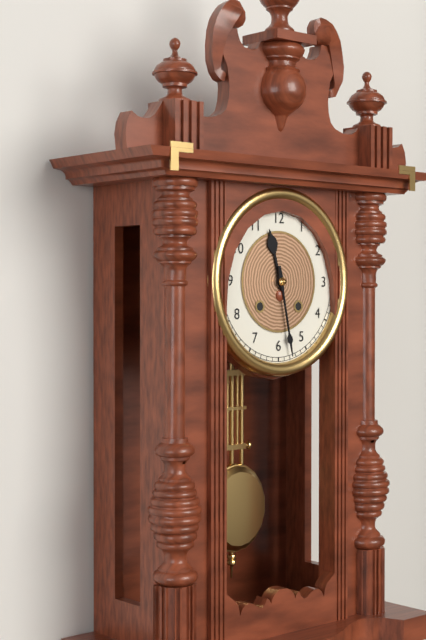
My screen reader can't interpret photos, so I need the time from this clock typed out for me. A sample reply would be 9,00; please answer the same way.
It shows 11,28
